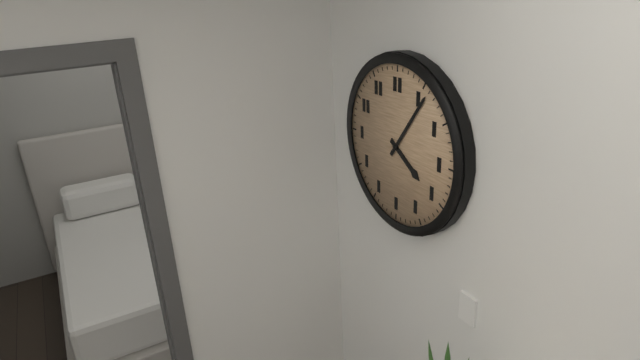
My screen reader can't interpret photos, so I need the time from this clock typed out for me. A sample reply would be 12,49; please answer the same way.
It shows 4,06
